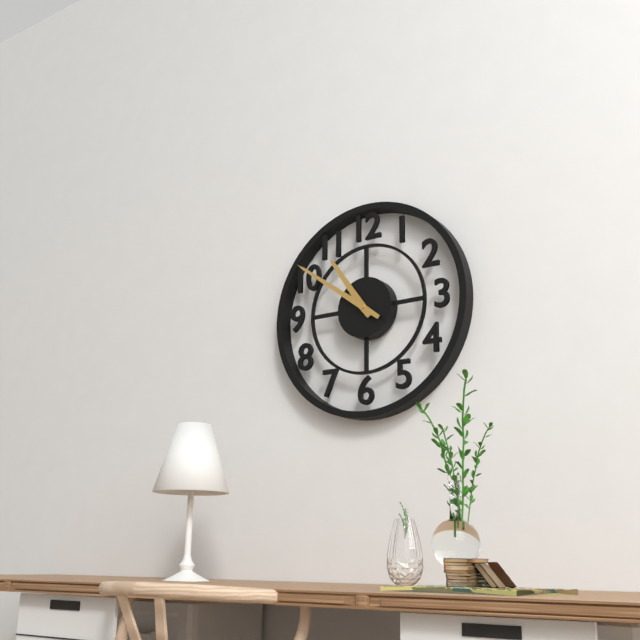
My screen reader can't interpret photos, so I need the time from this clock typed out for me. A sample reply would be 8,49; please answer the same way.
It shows 10,51
